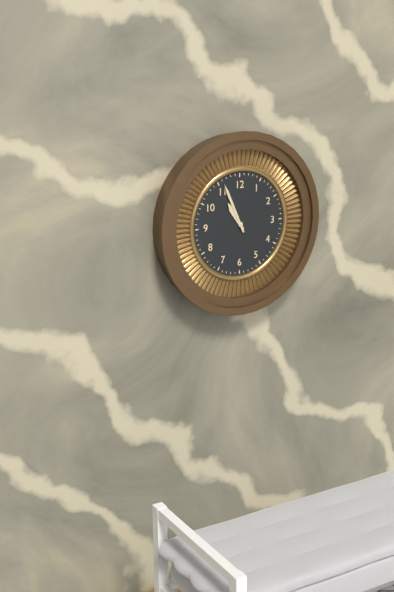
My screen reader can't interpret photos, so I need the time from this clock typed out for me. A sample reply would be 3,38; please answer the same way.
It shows 10,56
